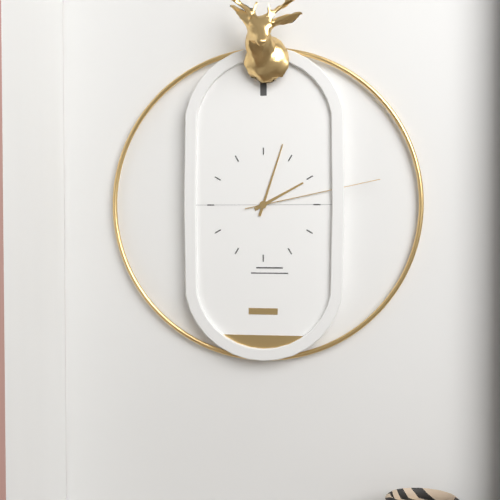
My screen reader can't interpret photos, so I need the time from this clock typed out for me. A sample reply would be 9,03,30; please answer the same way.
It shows 2,03,13
